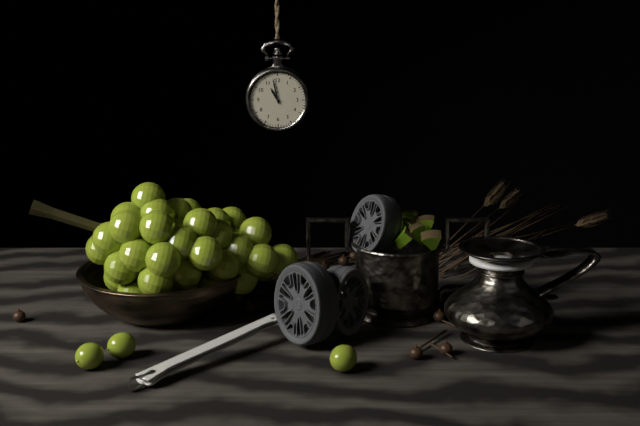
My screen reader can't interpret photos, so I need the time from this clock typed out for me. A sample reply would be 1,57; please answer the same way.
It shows 10,58
